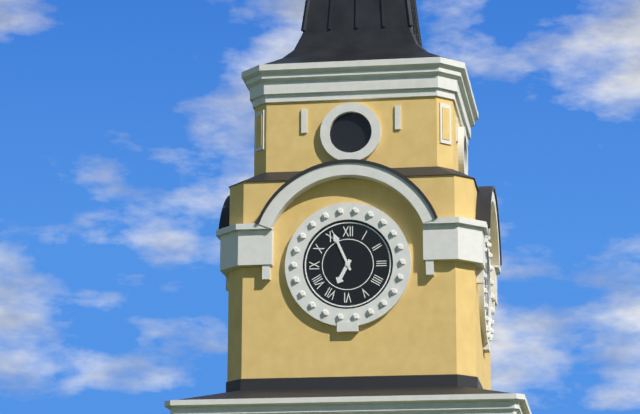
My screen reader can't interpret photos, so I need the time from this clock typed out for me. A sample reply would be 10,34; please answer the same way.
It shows 6,56
